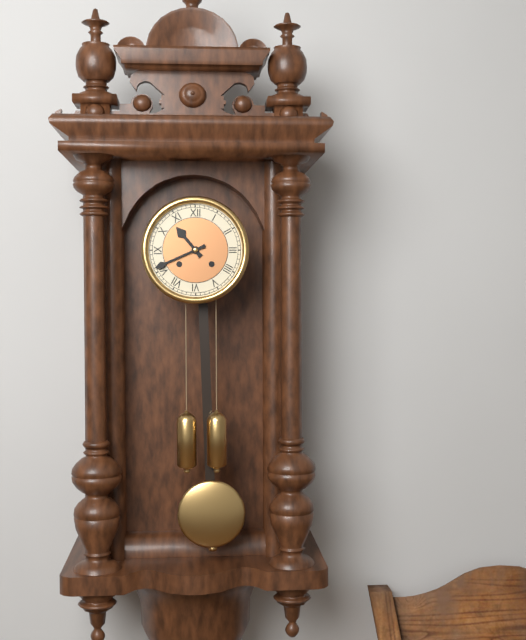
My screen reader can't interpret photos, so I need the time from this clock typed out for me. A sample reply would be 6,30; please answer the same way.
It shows 10,41
